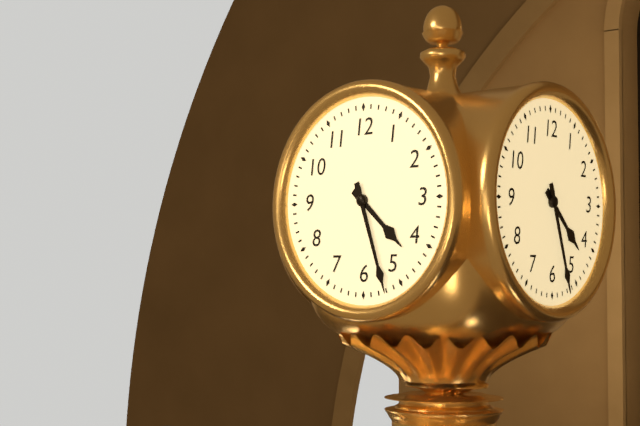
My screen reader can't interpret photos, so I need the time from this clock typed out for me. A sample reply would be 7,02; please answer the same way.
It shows 4,27
